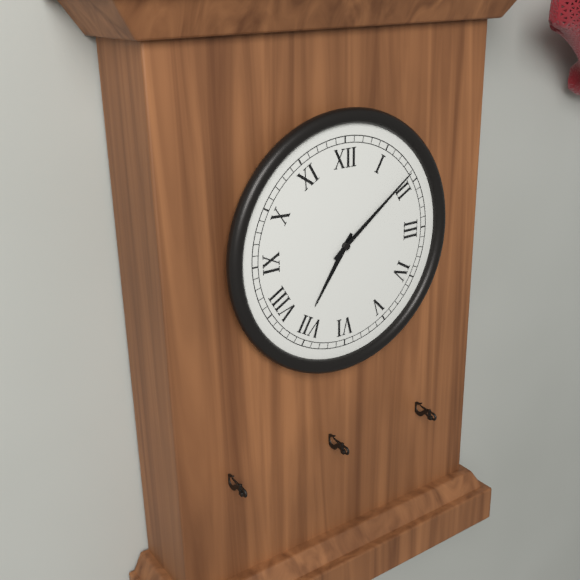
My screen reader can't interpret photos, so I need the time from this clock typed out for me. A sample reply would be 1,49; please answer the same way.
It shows 7,09
